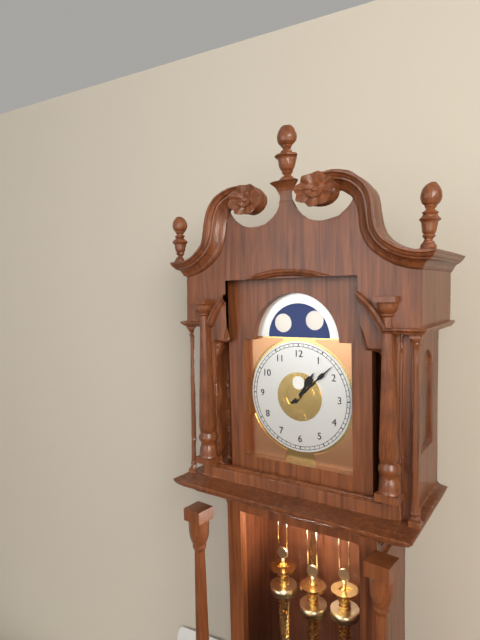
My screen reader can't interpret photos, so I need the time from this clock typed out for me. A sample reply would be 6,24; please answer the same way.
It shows 1,08
